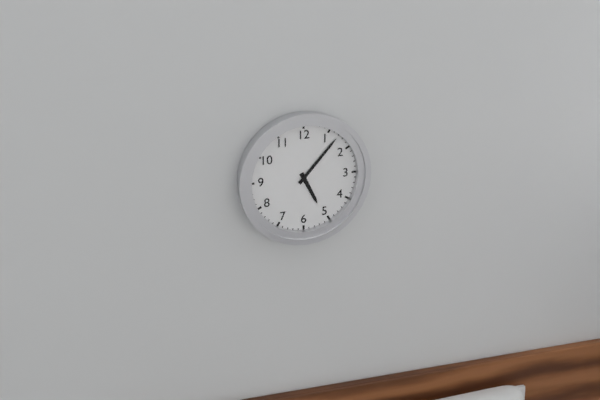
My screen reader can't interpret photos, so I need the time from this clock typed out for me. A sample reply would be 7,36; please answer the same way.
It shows 5,07
